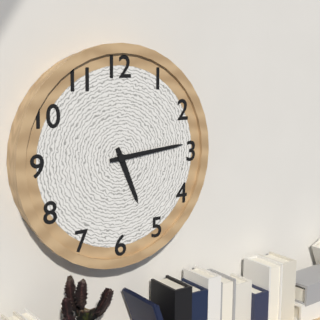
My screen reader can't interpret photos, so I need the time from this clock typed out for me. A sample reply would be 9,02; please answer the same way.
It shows 5,14
